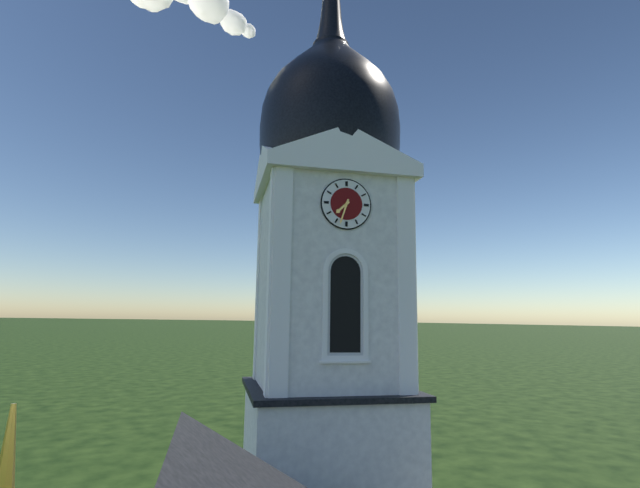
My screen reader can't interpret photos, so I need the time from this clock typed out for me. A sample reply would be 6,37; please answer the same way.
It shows 7,33
